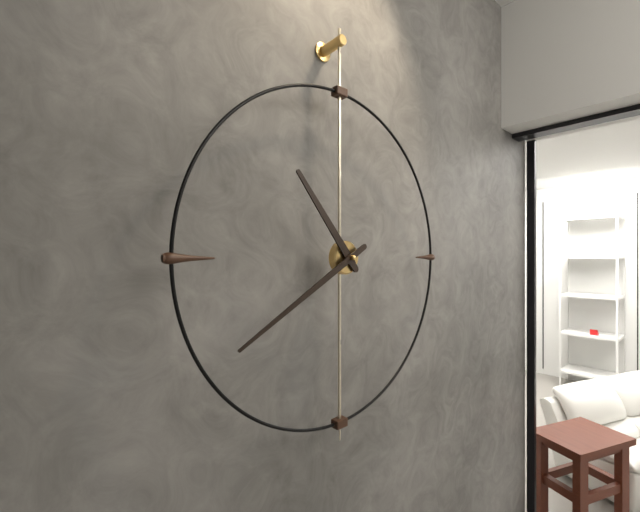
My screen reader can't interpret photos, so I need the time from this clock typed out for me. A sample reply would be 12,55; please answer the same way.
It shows 10,40
